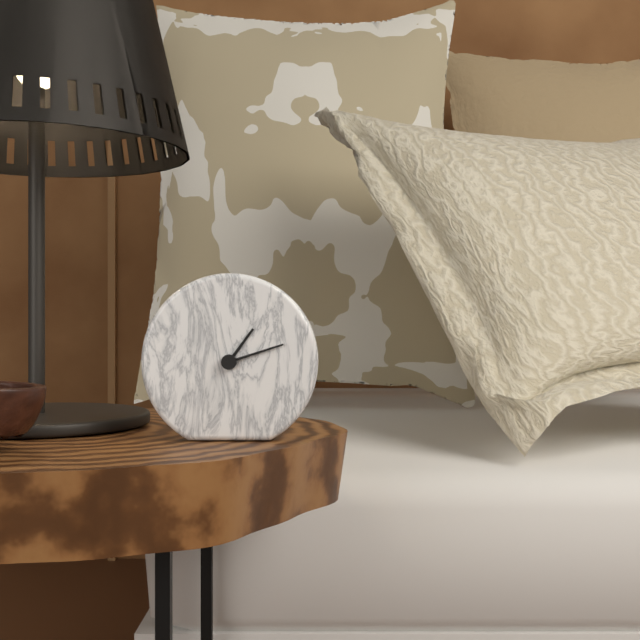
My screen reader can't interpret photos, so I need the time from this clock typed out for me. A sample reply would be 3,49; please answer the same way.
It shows 1,12
